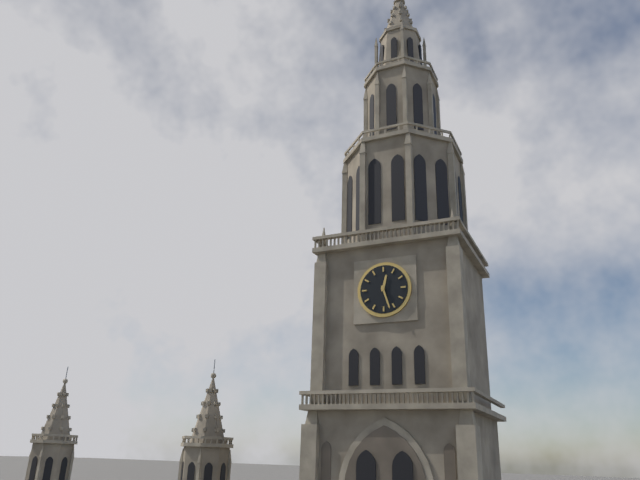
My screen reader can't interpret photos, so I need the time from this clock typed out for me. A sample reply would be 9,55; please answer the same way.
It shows 12,27
